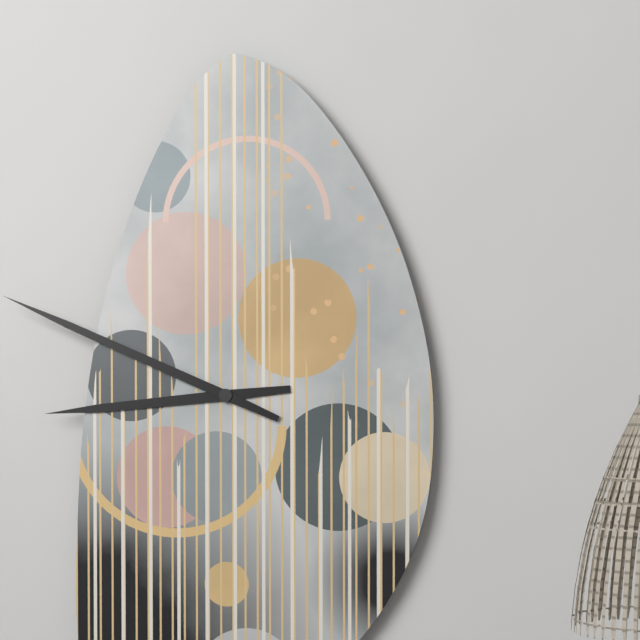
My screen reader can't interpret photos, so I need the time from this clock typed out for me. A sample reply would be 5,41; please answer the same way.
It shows 8,49
